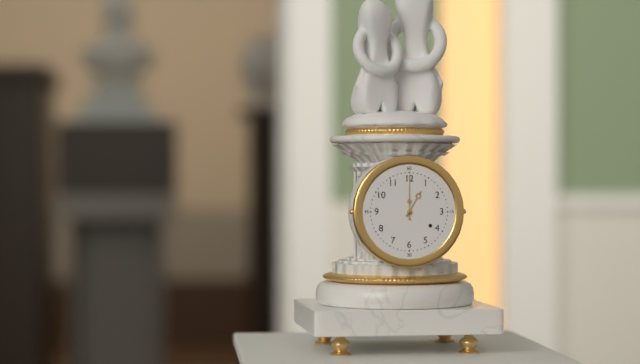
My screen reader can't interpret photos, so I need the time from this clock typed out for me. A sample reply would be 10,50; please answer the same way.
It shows 1,00
